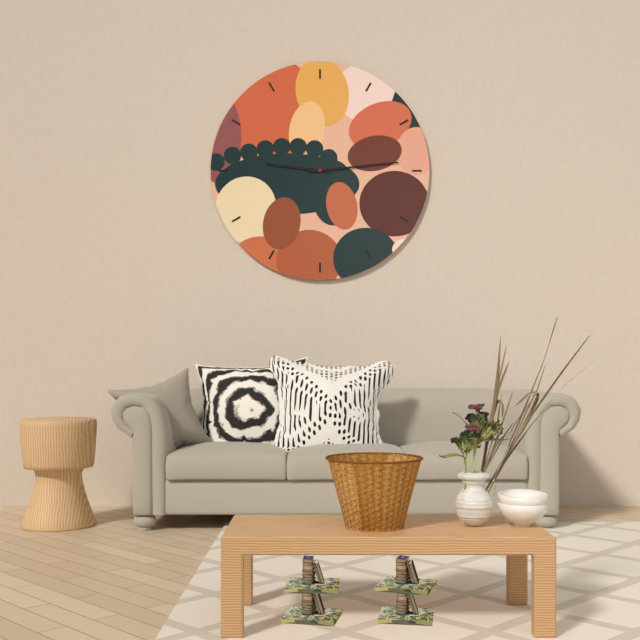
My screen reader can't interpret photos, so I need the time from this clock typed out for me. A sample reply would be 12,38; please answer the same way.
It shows 9,14
